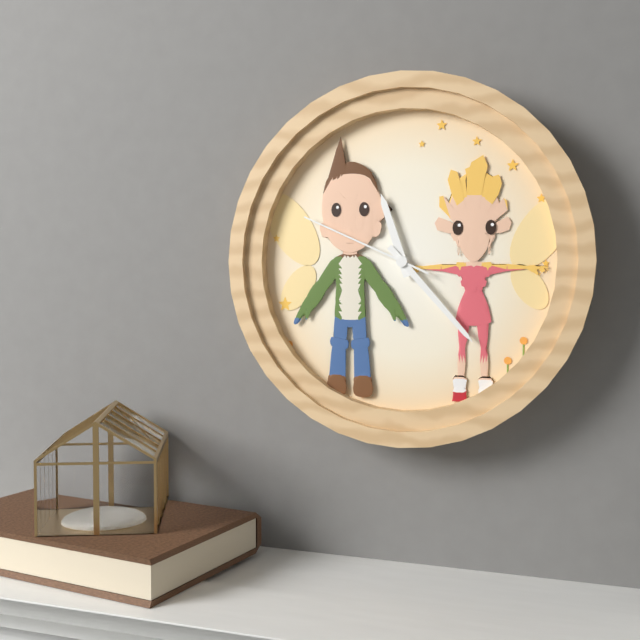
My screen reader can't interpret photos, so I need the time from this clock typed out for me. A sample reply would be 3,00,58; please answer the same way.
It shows 11,23,49
